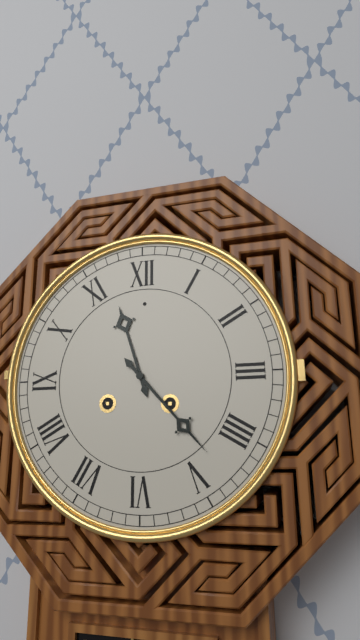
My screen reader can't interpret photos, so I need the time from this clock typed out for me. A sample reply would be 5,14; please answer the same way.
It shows 11,23
